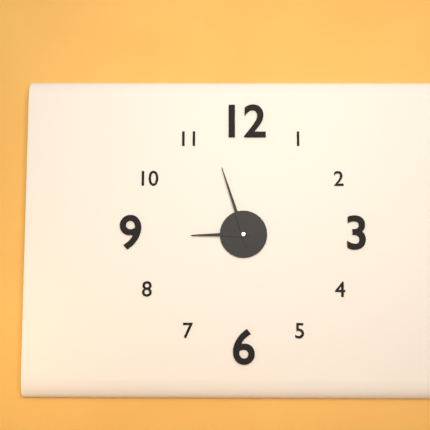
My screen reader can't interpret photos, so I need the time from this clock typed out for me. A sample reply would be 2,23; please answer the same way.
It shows 8,57
